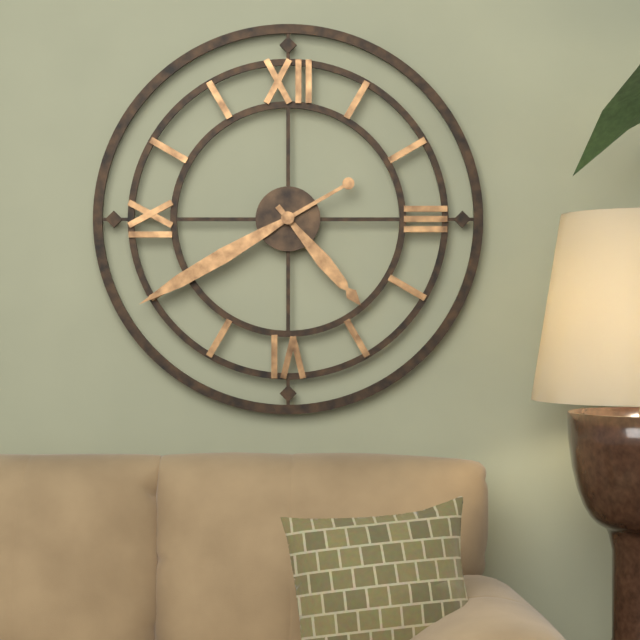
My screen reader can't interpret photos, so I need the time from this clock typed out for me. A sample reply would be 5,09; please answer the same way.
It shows 4,40
